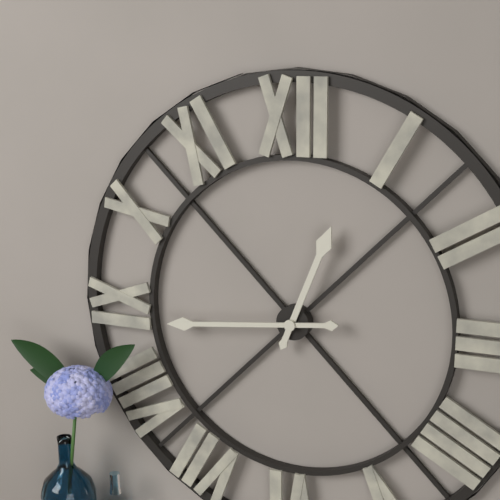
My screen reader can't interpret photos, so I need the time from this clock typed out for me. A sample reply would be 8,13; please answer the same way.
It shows 12,44
